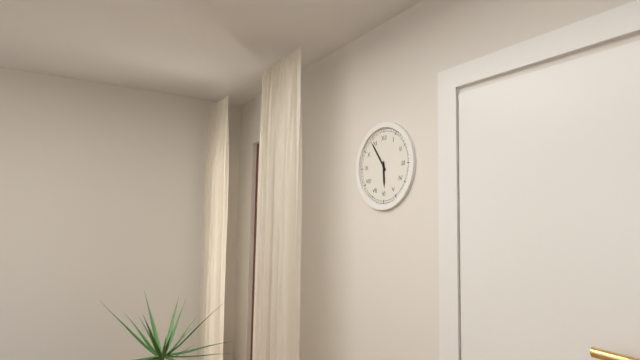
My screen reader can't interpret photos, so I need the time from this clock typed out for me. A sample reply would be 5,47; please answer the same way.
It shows 5,54
